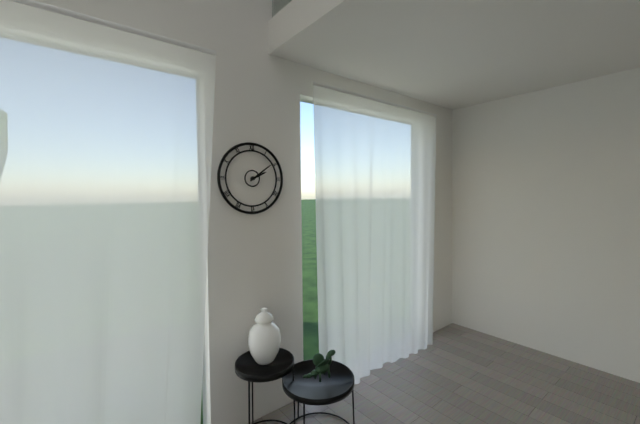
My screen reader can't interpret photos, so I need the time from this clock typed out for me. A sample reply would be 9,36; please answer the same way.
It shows 2,09
